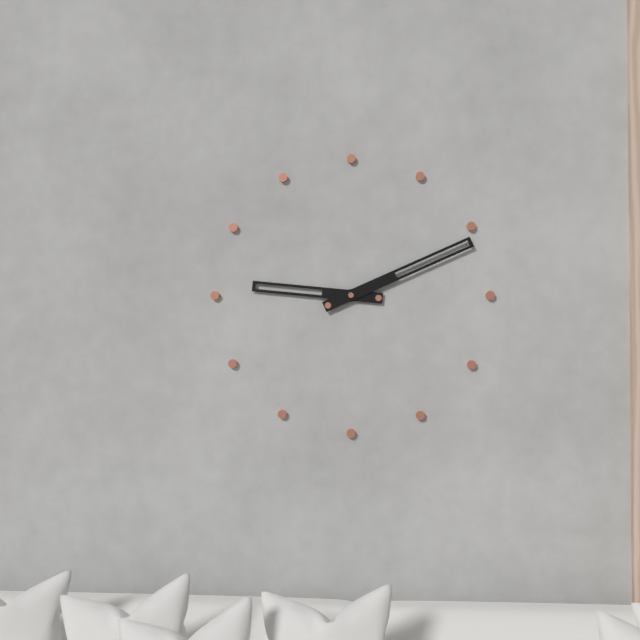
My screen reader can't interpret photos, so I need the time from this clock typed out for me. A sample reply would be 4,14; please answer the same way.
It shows 9,11
